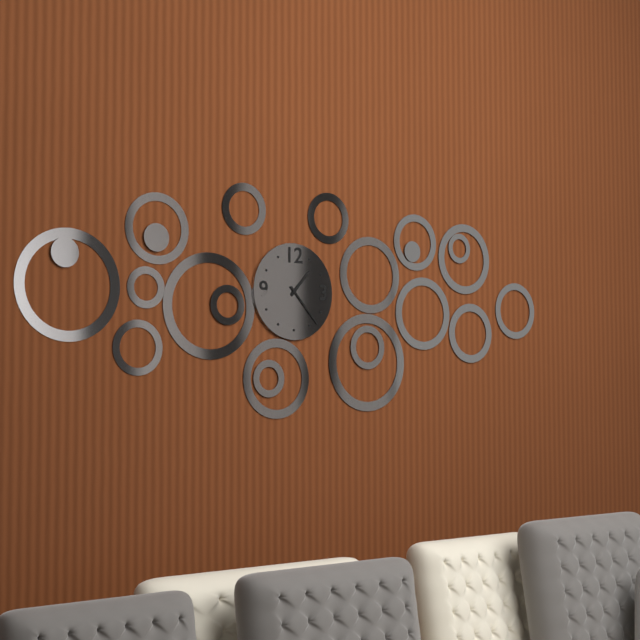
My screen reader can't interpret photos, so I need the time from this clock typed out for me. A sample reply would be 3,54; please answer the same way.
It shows 1,23
